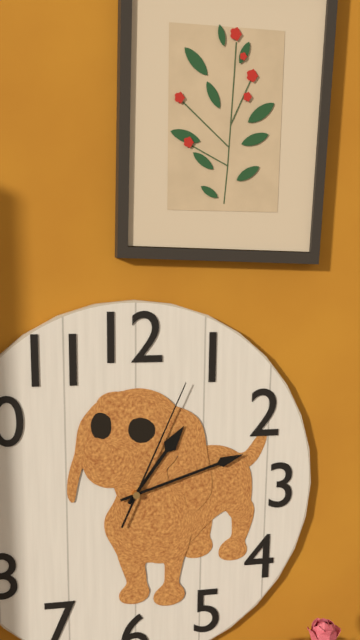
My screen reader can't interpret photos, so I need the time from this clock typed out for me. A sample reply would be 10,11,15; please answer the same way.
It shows 1,12,04
